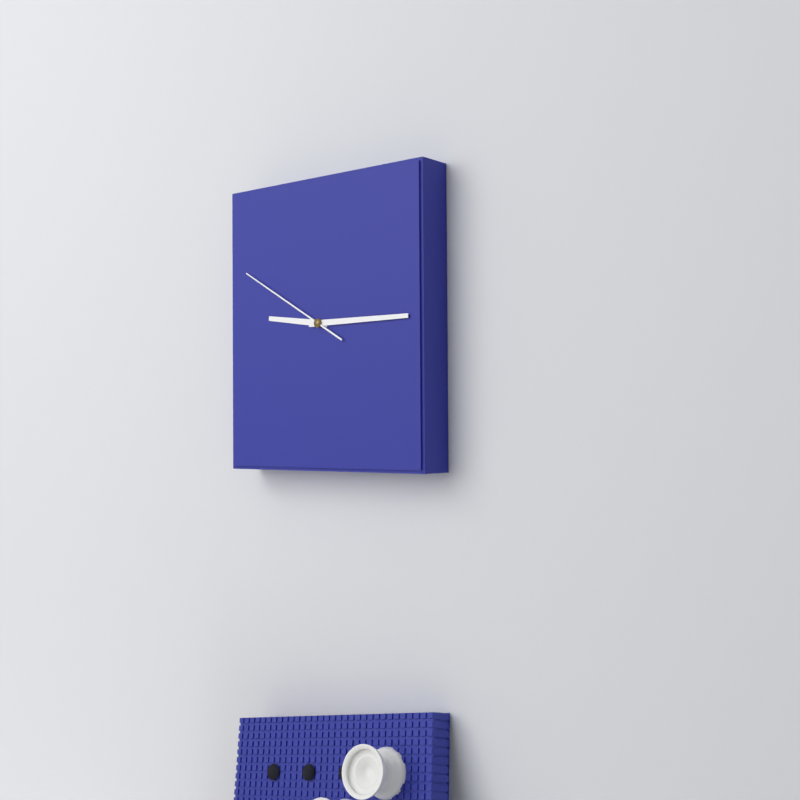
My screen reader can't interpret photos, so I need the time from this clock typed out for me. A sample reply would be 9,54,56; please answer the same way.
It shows 9,15,50
